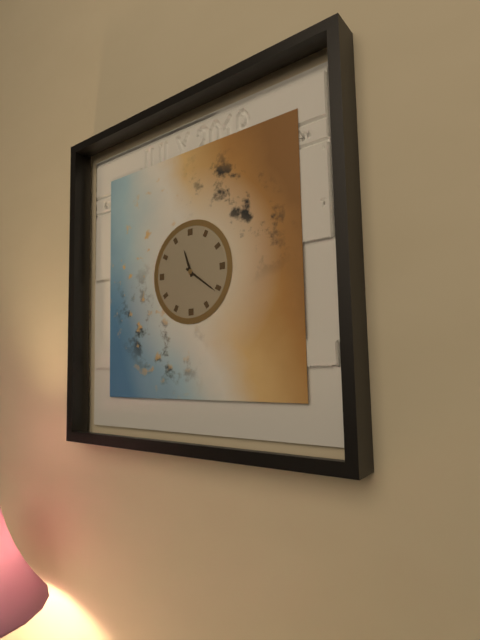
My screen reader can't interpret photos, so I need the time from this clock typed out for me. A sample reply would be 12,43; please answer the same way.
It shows 11,21
